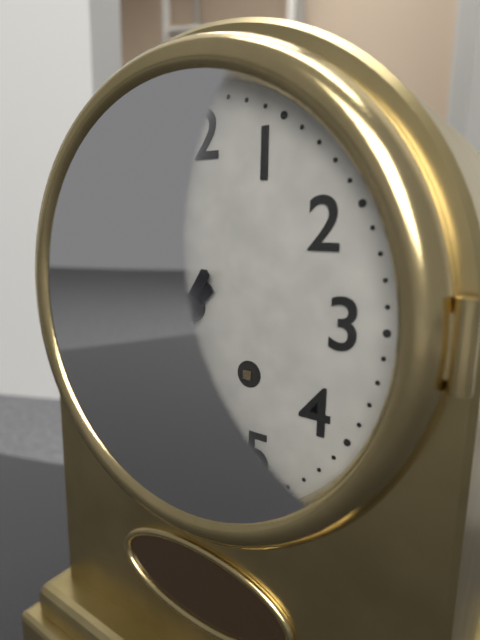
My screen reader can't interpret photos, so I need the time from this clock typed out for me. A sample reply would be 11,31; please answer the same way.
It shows 7,35
